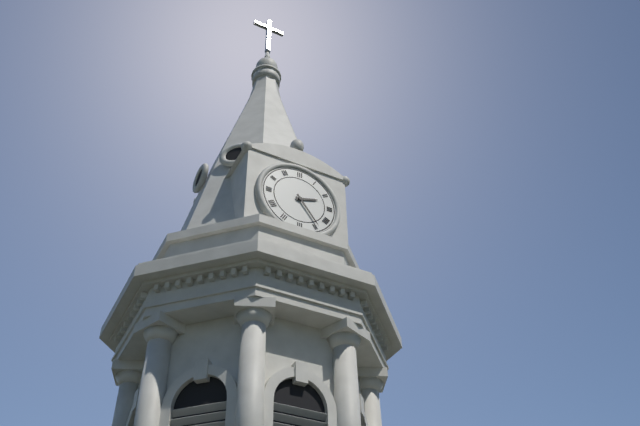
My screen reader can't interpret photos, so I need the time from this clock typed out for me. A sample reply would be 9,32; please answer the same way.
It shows 2,24
